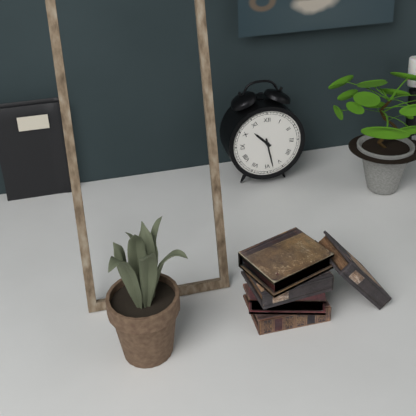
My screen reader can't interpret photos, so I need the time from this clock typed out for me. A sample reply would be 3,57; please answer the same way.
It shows 10,28
